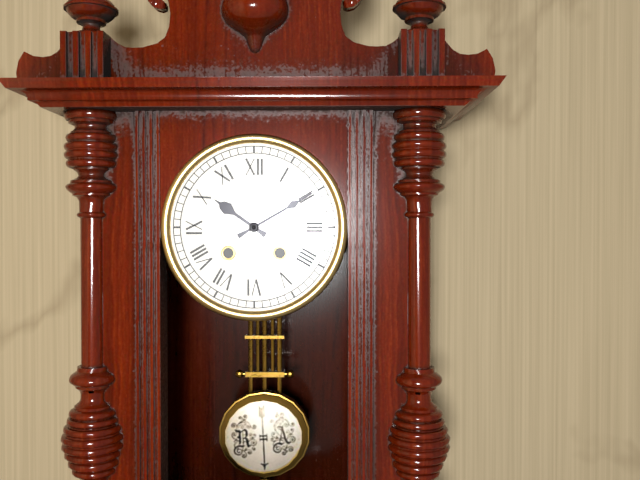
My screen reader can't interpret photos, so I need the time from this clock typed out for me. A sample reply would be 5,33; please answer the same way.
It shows 10,10
